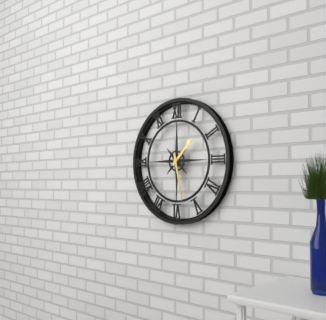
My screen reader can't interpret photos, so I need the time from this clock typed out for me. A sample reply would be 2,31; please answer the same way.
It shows 1,28
